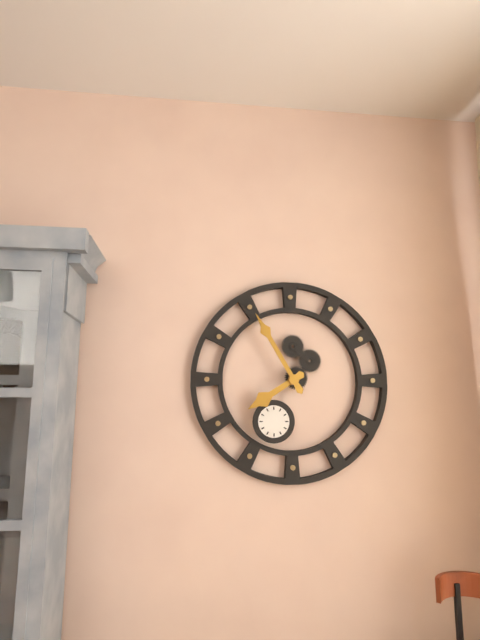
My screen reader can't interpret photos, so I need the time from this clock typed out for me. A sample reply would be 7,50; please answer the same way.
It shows 7,55
